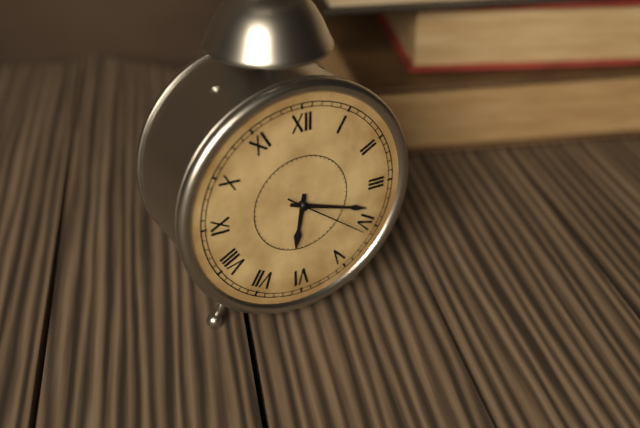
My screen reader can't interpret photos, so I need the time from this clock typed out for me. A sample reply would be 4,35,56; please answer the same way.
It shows 6,18,21
